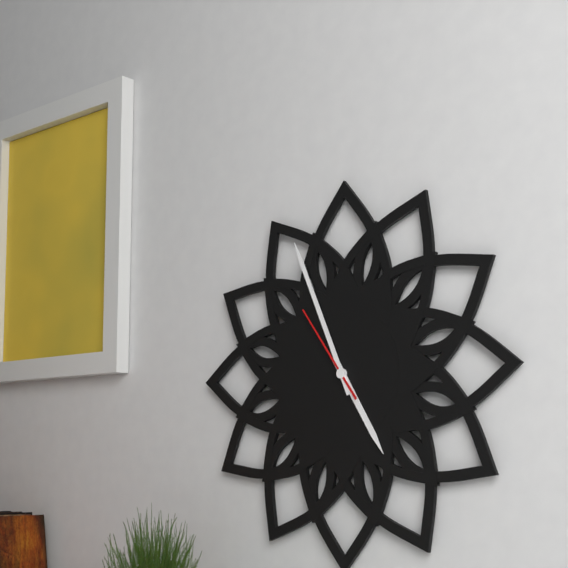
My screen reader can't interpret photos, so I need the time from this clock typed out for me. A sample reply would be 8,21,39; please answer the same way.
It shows 4,56,54
